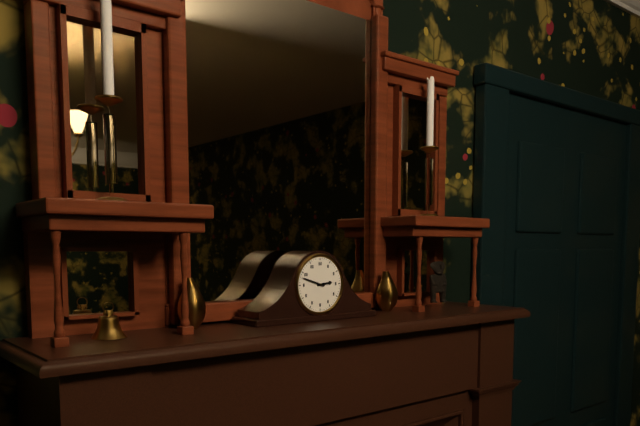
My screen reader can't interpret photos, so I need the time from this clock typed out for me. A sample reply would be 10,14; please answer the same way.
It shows 2,48
